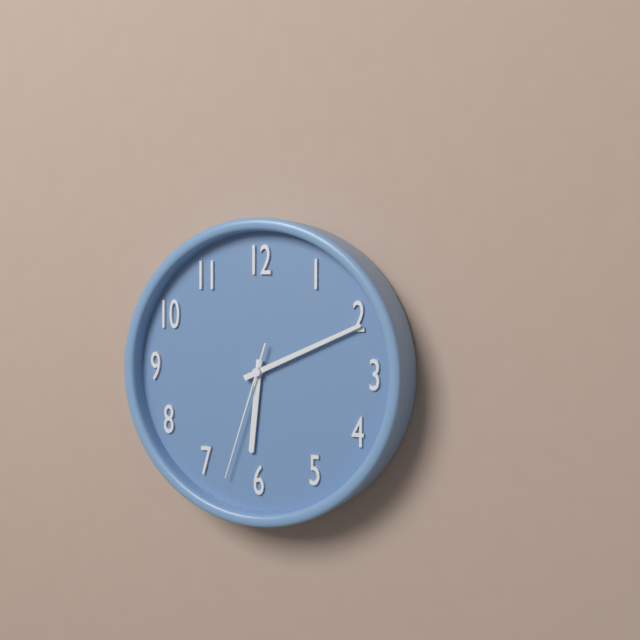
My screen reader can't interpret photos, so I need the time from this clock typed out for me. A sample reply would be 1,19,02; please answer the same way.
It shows 6,11,33
